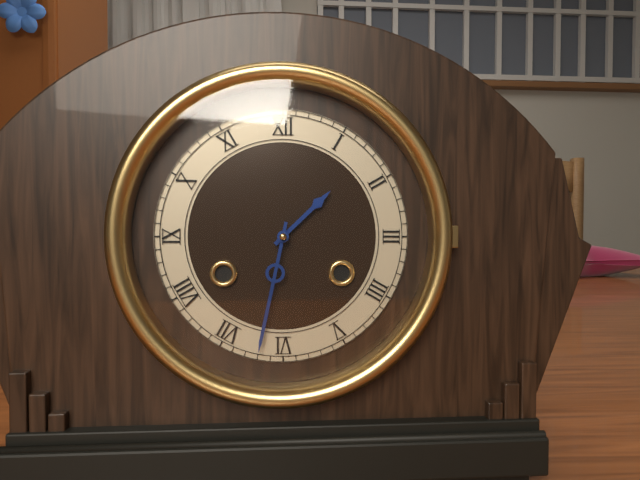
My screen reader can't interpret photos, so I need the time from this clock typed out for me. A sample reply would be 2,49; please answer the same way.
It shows 1,32
